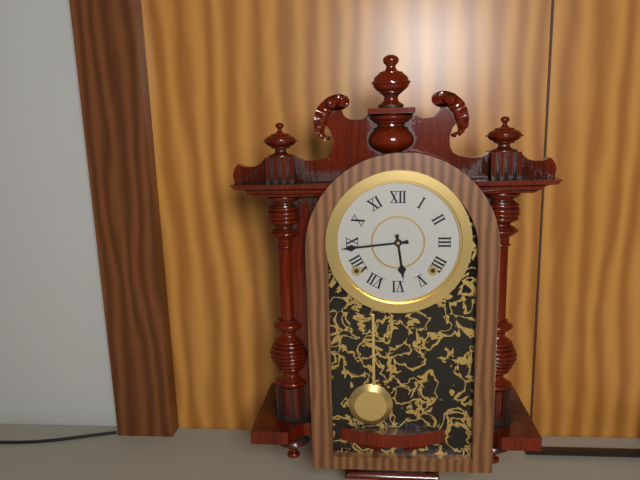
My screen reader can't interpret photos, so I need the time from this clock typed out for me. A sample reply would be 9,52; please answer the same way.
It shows 5,44
